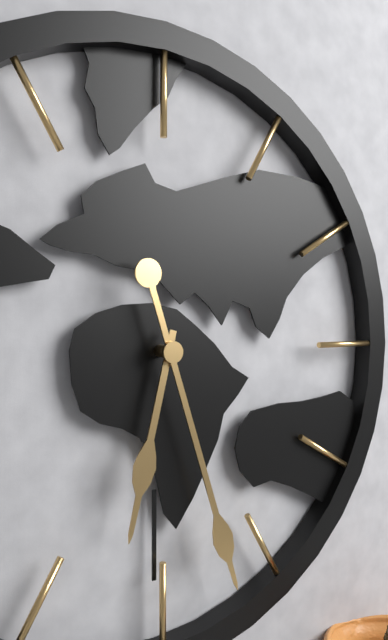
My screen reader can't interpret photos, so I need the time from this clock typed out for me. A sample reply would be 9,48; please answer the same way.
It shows 6,27
